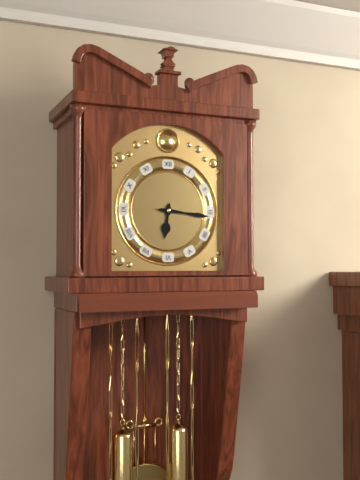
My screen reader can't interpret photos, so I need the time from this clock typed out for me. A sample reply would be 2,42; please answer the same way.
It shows 6,16
